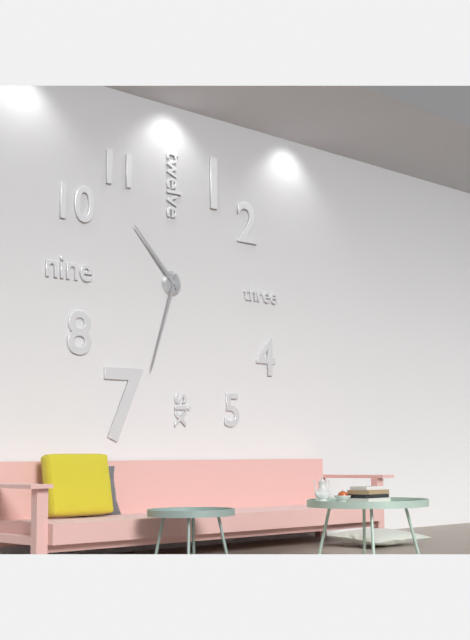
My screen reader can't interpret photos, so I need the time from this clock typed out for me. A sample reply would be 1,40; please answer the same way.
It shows 10,33
